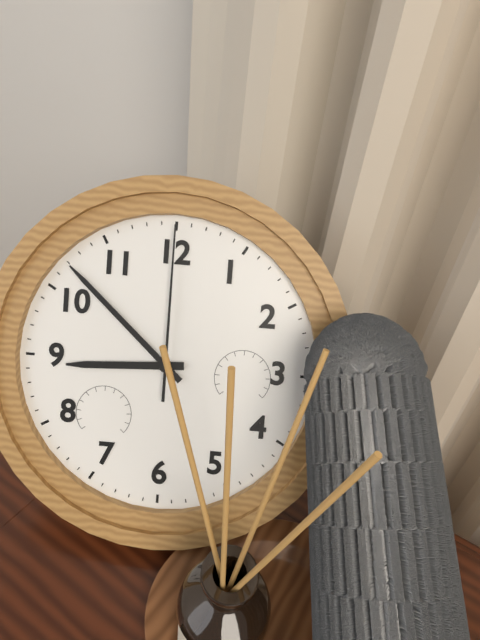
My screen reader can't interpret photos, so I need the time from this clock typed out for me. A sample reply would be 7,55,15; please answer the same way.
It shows 8,52,00
